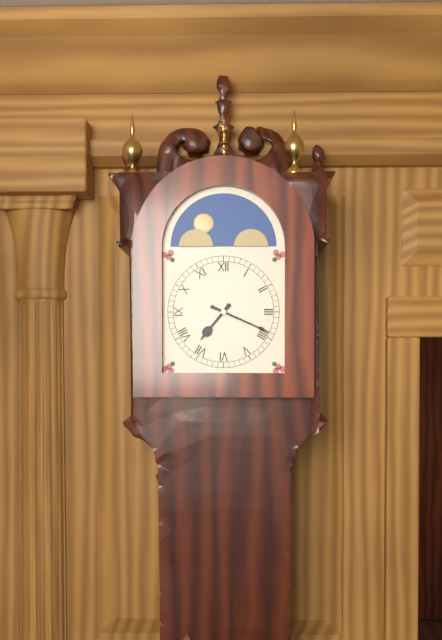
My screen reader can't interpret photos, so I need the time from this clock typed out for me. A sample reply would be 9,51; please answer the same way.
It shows 7,19
